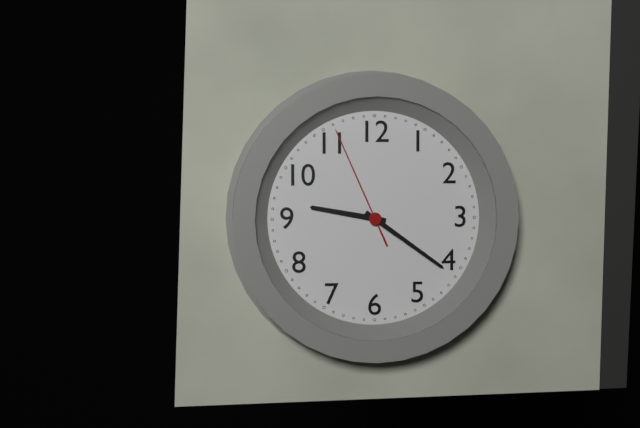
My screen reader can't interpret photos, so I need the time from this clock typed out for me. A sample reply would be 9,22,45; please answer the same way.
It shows 9,21,56
